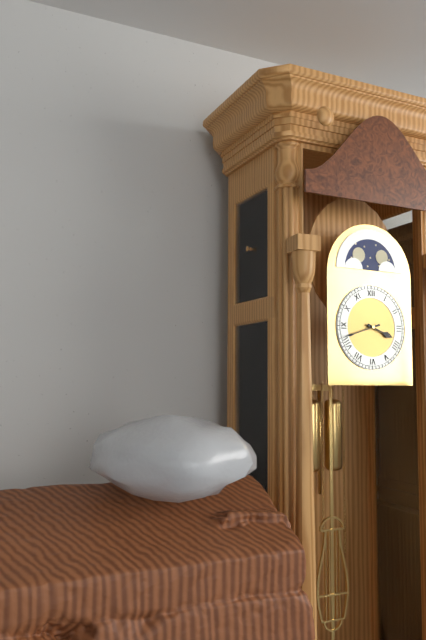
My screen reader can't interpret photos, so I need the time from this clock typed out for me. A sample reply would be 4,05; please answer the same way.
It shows 3,42
